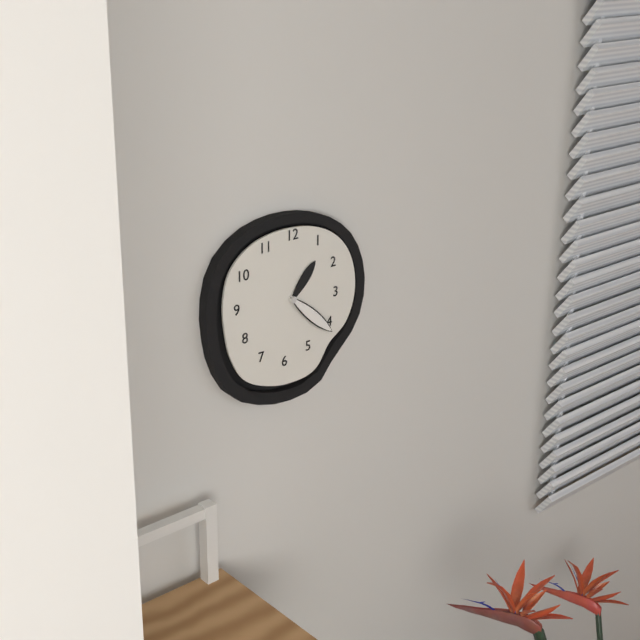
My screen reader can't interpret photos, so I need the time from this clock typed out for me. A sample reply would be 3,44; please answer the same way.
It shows 1,22
